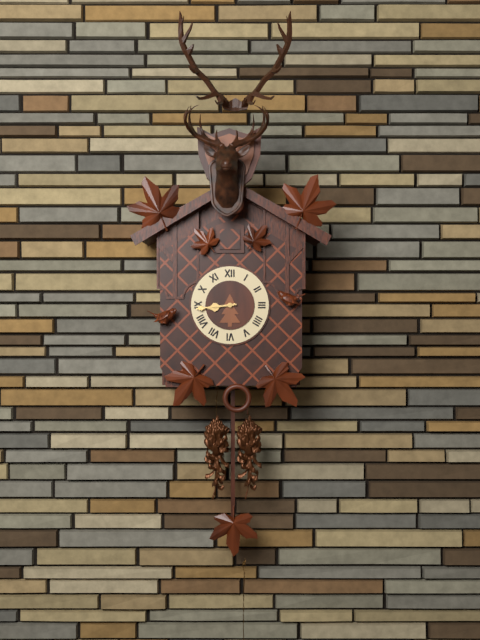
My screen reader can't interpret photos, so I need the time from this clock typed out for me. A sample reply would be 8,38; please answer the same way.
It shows 8,44
